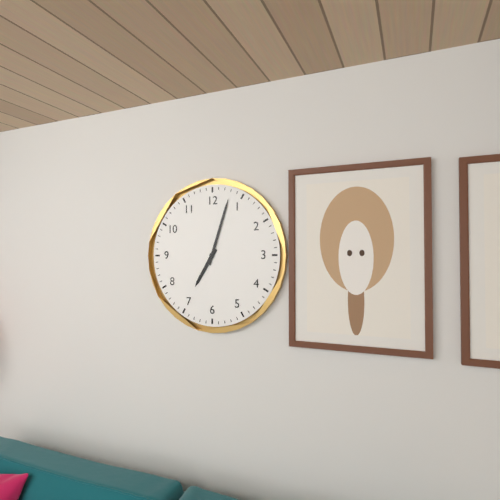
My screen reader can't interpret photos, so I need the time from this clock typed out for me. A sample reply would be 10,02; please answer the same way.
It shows 7,03
